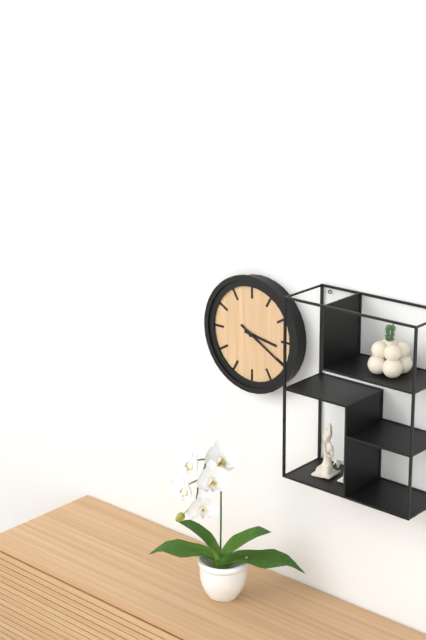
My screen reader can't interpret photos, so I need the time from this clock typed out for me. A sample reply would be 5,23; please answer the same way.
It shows 3,20
